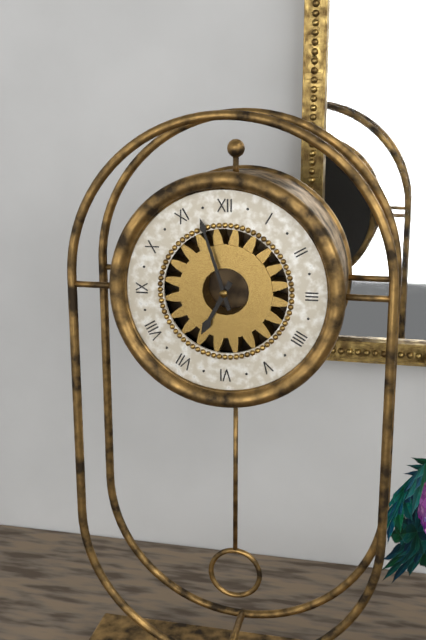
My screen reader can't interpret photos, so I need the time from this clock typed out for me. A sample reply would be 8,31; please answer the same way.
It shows 6,57
